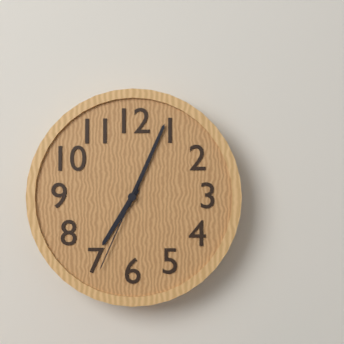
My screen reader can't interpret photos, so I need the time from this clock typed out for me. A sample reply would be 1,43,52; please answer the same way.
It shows 7,04,34
